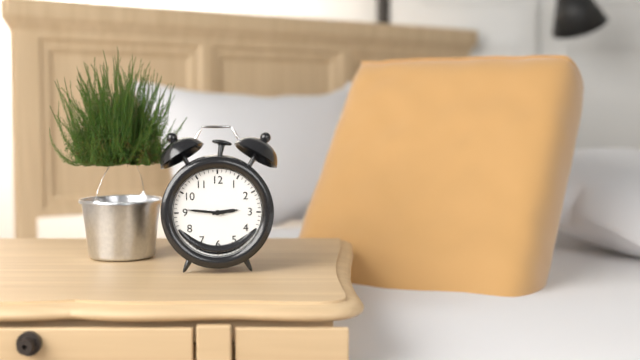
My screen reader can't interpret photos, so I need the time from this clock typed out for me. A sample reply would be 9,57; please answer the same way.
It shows 2,46
